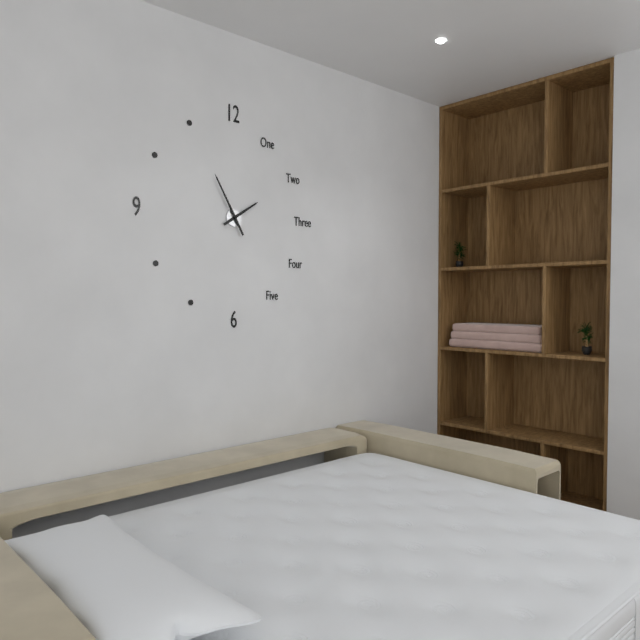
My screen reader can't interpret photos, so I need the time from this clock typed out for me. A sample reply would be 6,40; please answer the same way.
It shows 1,55
